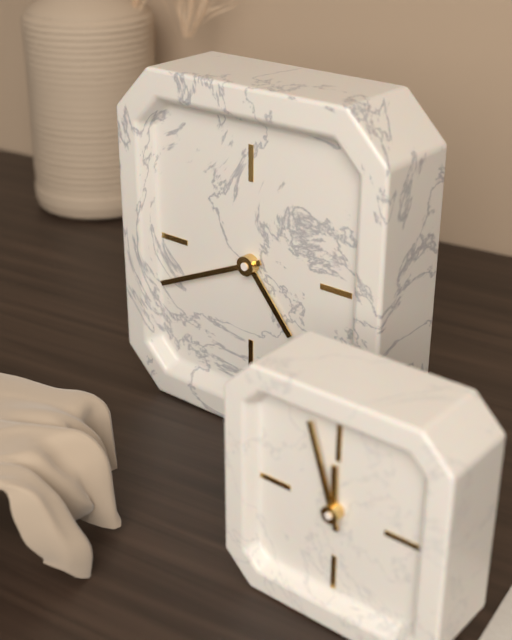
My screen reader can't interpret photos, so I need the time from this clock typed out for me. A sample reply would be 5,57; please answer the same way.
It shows 4,41
